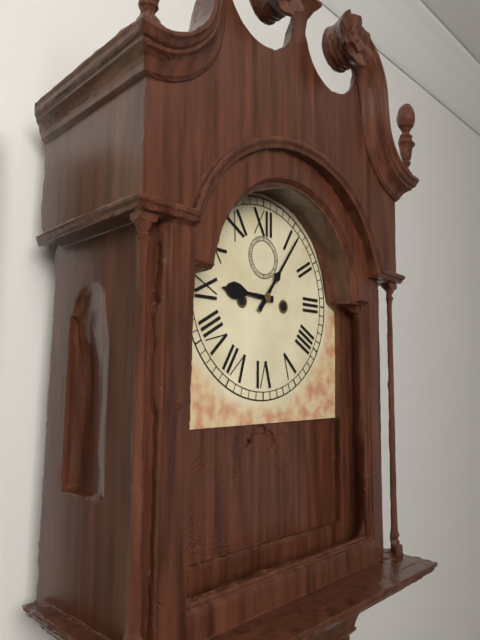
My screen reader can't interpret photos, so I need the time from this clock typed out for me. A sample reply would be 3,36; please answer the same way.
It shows 9,06
